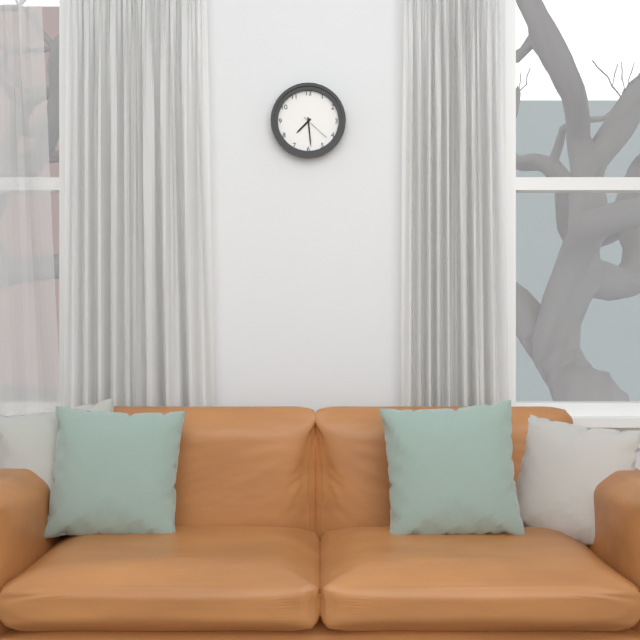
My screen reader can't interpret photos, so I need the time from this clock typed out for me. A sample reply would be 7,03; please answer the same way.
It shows 7,29
